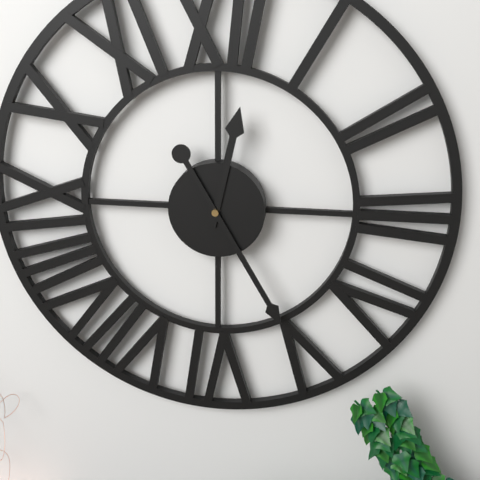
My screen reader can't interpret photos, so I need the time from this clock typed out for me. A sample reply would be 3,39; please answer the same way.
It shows 12,25
